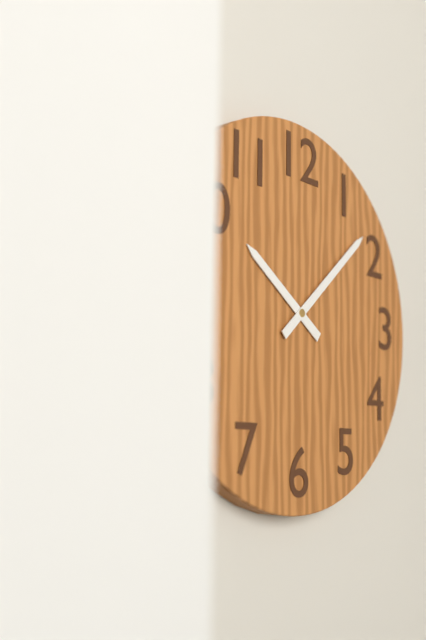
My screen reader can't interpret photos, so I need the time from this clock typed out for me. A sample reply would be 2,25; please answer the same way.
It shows 10,08
